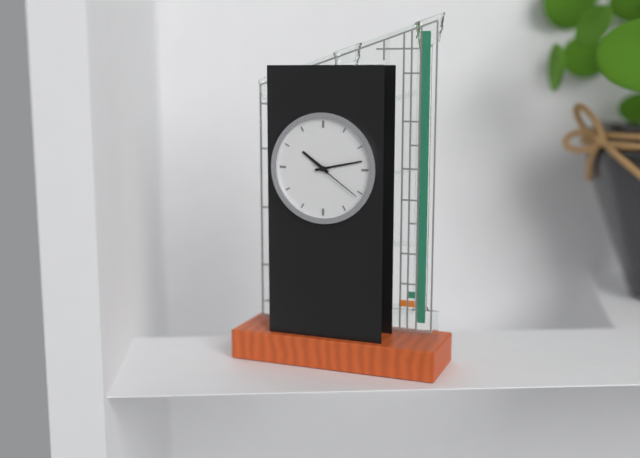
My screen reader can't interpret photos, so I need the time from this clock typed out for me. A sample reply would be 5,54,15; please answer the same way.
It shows 10,13,21
